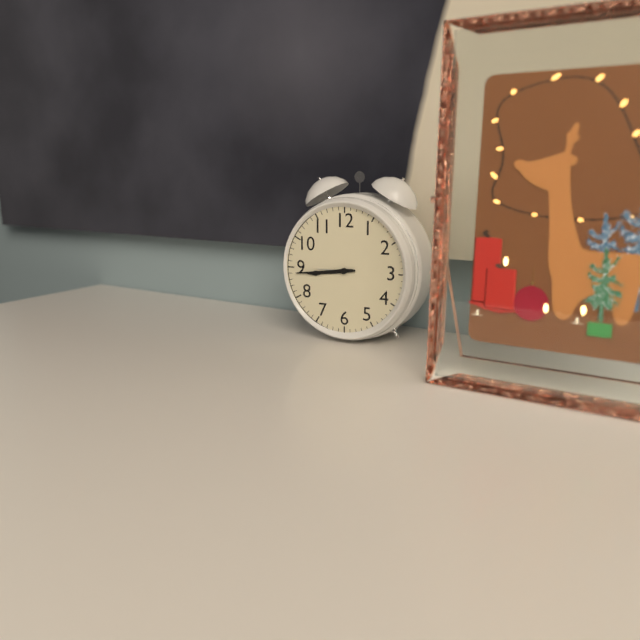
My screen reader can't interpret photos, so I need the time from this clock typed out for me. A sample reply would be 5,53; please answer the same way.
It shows 8,44
